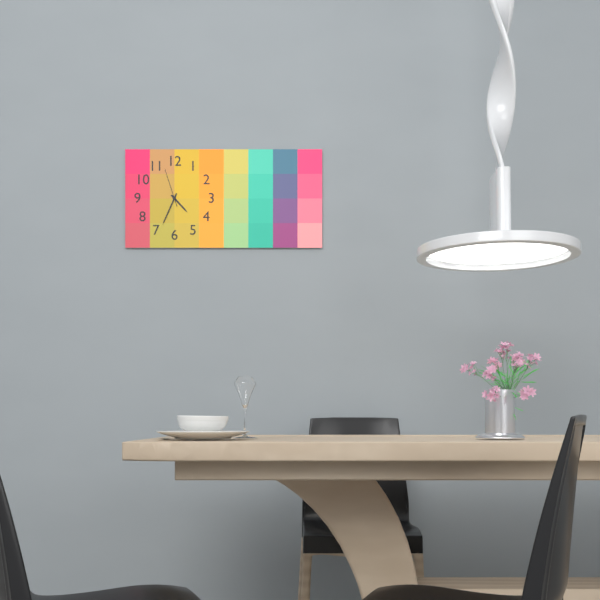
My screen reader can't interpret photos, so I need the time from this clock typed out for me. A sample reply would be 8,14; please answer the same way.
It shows 4,34
